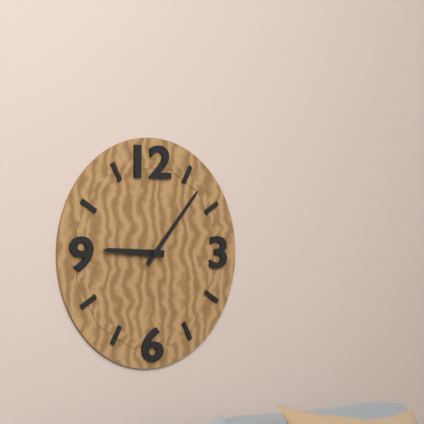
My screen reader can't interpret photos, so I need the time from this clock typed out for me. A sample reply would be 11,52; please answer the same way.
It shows 9,07
